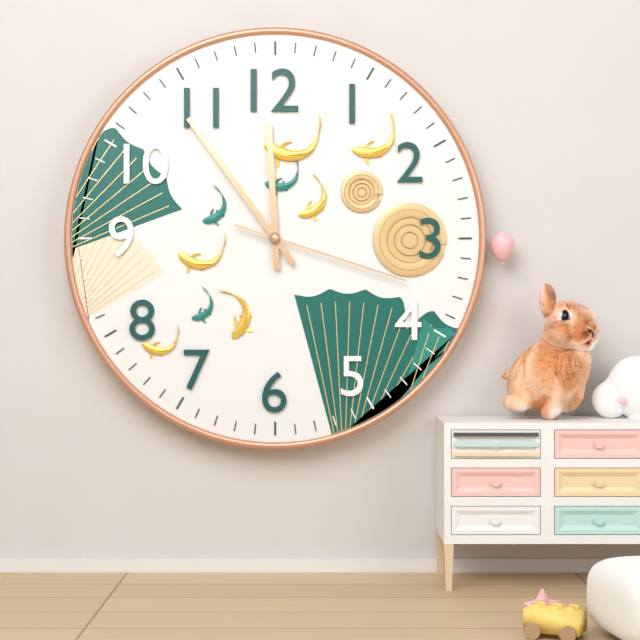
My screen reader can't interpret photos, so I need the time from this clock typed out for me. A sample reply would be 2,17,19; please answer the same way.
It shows 11,54,18
